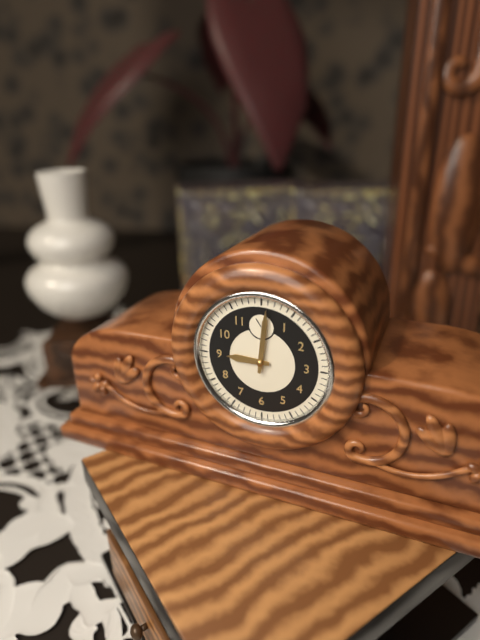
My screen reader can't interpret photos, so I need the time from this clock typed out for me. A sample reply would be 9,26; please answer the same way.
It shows 9,01
